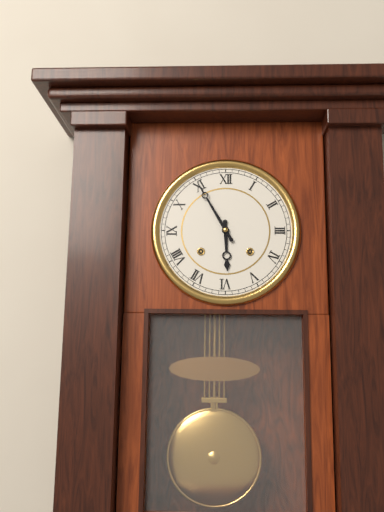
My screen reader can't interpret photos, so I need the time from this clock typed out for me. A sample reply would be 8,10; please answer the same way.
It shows 5,55
